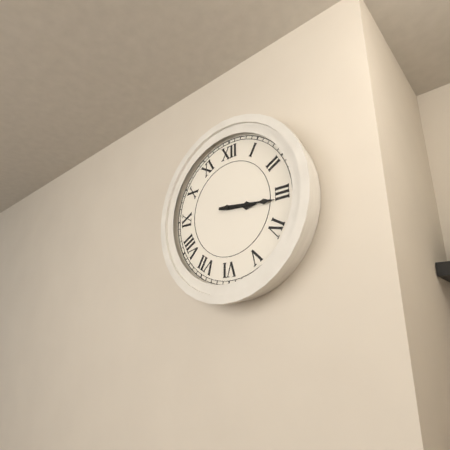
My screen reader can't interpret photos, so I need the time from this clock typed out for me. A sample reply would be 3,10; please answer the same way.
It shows 3,16
